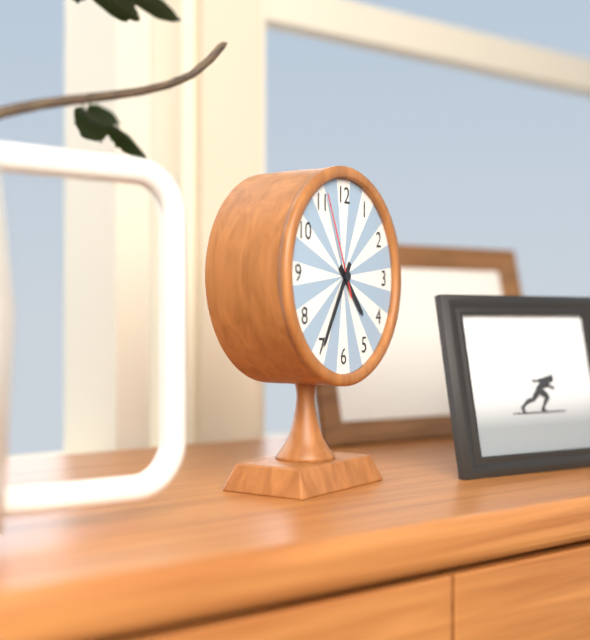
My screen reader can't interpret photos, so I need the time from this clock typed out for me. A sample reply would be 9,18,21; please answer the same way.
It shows 4,35,56
